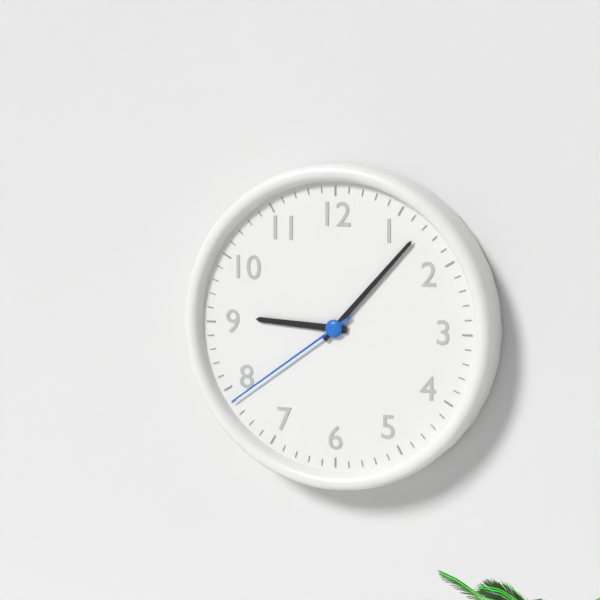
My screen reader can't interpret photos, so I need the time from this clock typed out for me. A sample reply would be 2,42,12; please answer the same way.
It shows 9,07,39
